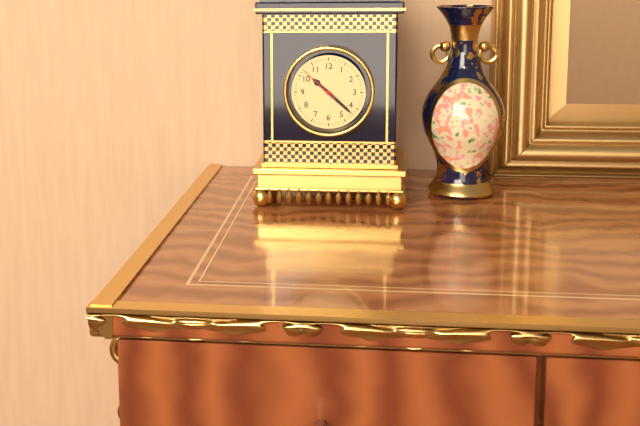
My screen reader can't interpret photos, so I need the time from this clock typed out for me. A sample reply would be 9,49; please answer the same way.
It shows 10,22
